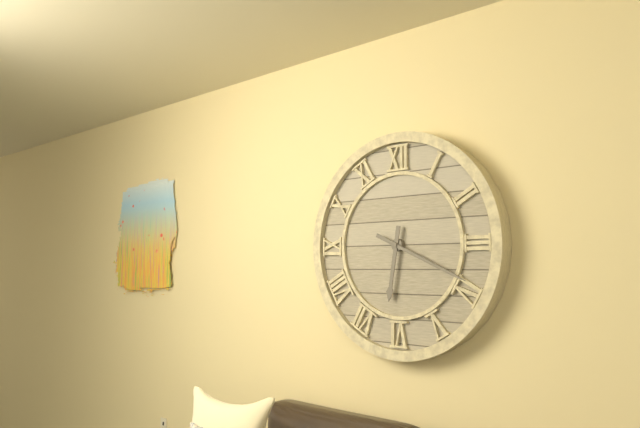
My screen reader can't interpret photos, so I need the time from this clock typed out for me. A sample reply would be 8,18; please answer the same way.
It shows 6,19
